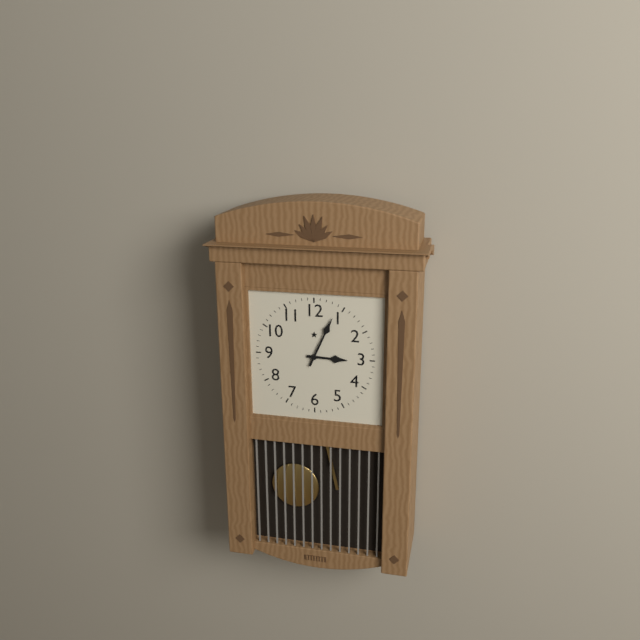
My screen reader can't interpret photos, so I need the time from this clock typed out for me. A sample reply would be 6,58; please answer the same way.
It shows 3,04
